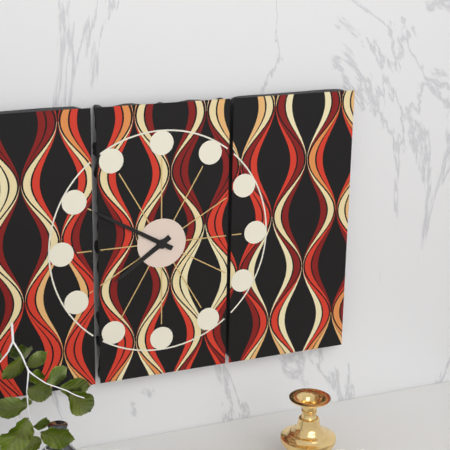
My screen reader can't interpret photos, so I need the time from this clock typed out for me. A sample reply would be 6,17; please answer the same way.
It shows 7,50
